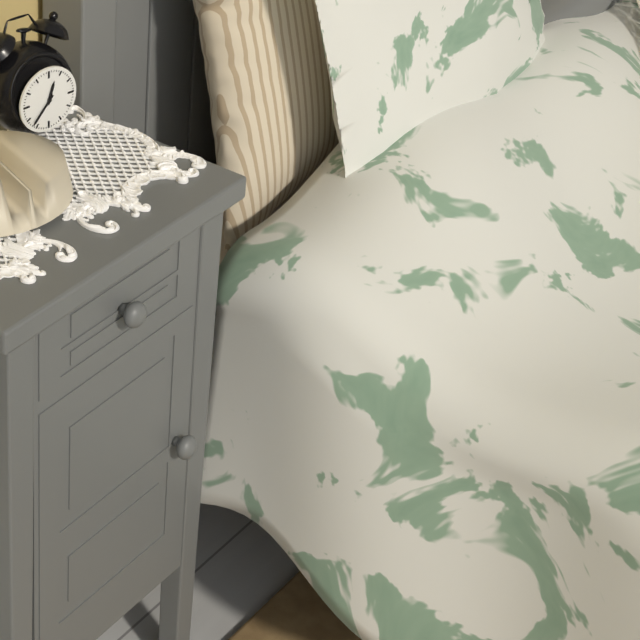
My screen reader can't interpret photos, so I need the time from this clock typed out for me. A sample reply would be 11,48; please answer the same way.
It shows 12,37
